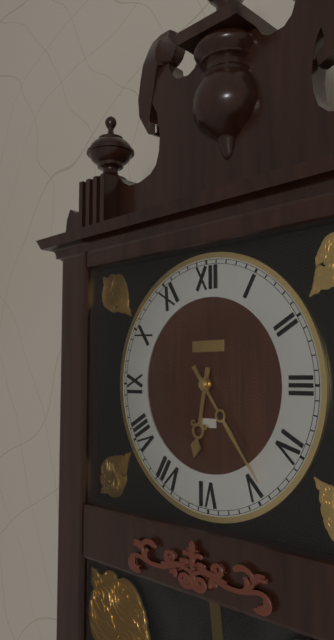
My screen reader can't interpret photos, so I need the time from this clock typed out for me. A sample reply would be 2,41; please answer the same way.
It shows 6,24
